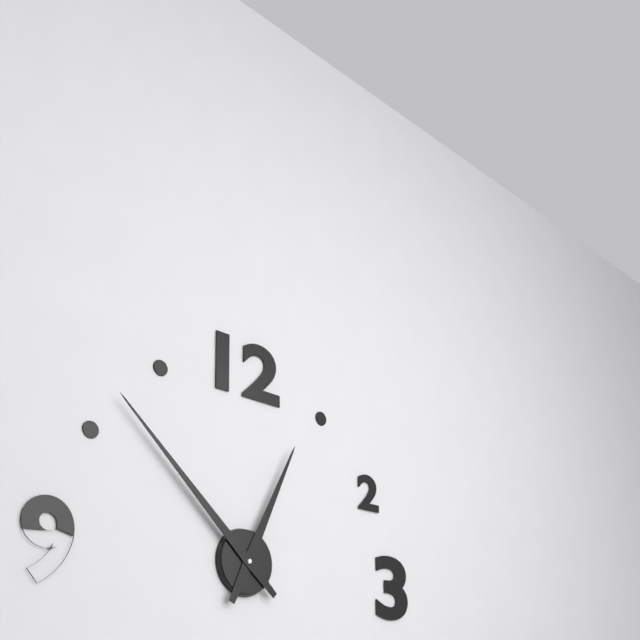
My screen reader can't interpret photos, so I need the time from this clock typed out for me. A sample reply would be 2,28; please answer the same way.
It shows 12,52
